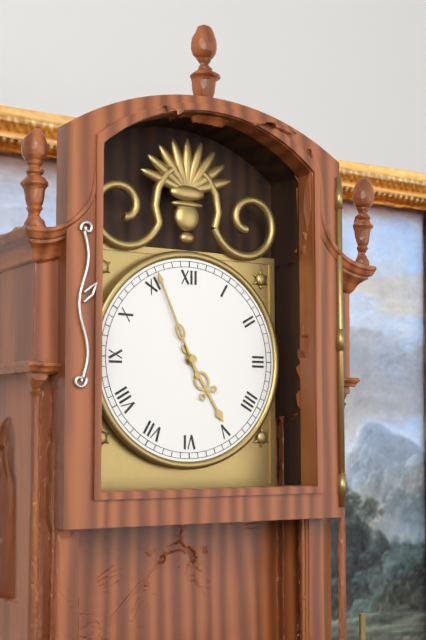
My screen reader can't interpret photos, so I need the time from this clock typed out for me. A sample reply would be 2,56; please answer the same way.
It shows 4,56
